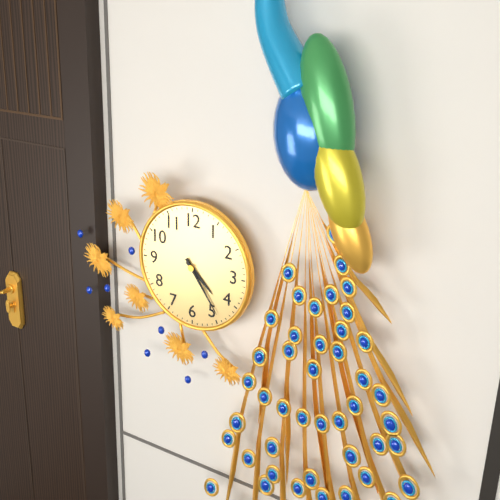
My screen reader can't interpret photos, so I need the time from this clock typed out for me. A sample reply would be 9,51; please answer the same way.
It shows 4,24
